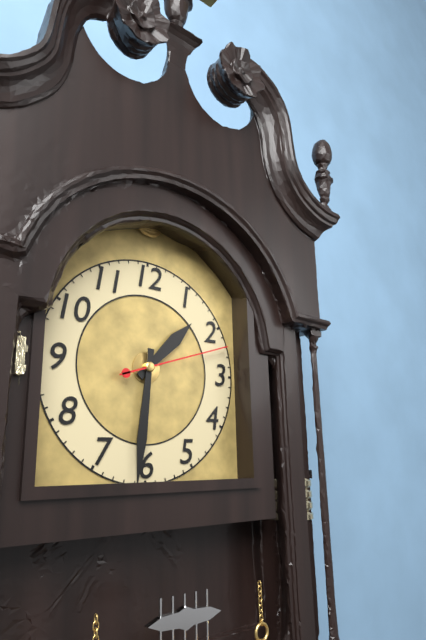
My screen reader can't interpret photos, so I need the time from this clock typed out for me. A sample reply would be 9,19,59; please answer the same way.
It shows 1,31,12
